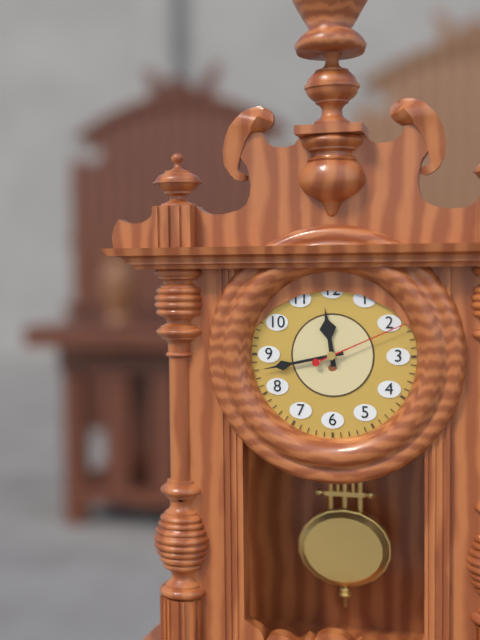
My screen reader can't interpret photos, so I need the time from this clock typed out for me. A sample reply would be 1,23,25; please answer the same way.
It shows 11,43,11
